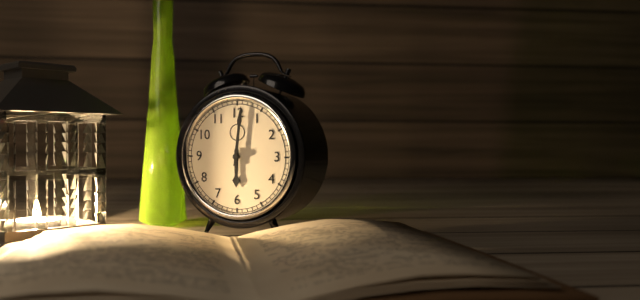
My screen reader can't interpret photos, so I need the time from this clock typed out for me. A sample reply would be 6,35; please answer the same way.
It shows 6,01
